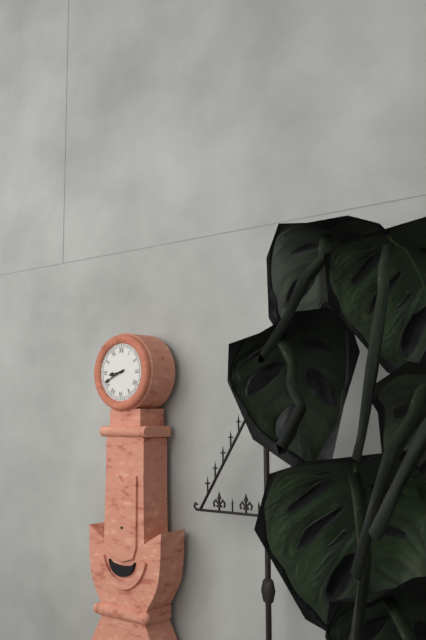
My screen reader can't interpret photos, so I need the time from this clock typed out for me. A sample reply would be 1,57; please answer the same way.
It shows 8,41
